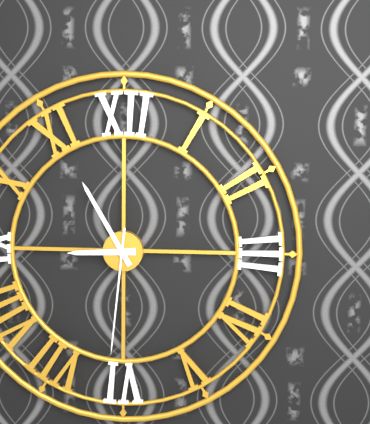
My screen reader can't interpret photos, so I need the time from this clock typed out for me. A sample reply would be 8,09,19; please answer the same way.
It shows 8,55,31
